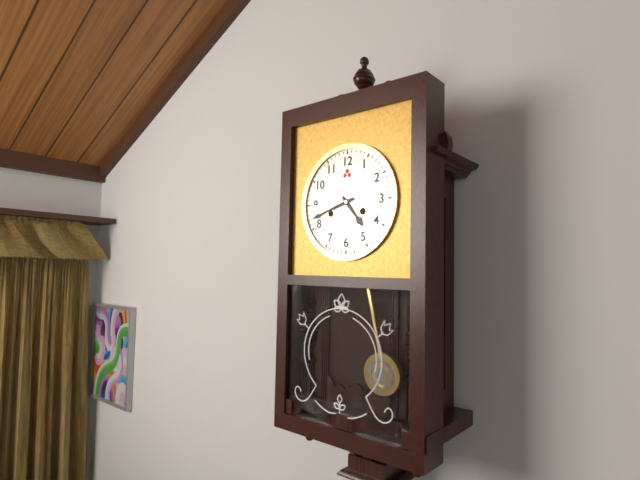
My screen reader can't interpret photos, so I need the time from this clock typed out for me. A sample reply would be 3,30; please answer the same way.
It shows 4,42
